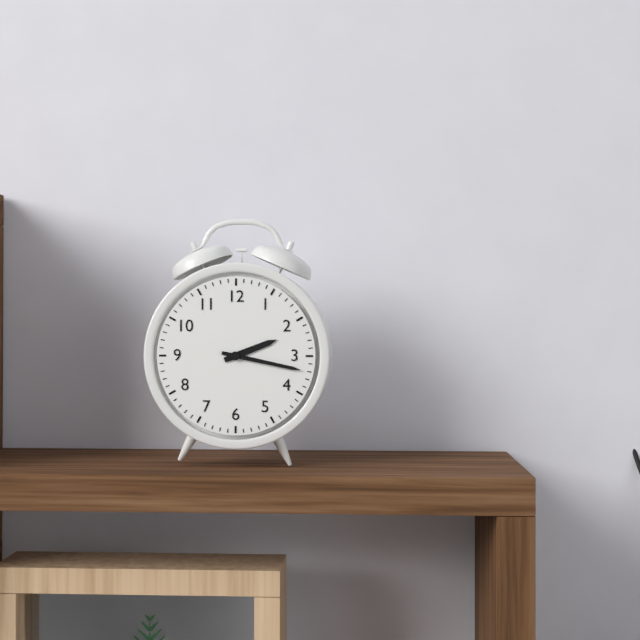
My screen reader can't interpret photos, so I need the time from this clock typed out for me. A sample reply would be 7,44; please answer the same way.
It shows 2,17
